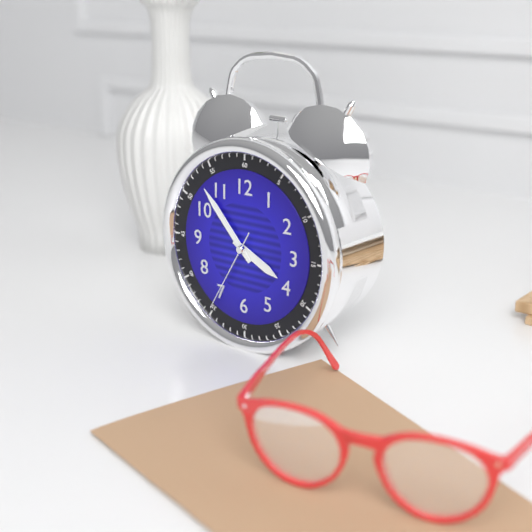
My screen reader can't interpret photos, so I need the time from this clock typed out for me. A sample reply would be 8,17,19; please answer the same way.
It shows 3,53,35
